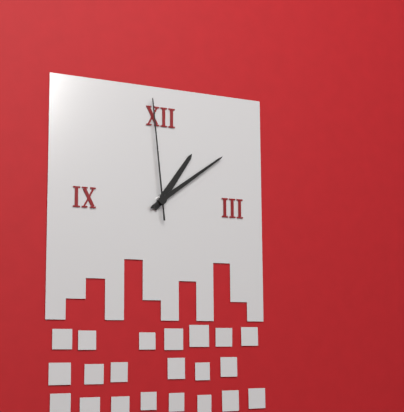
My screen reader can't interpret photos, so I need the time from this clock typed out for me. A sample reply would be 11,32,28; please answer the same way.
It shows 1,09,59
